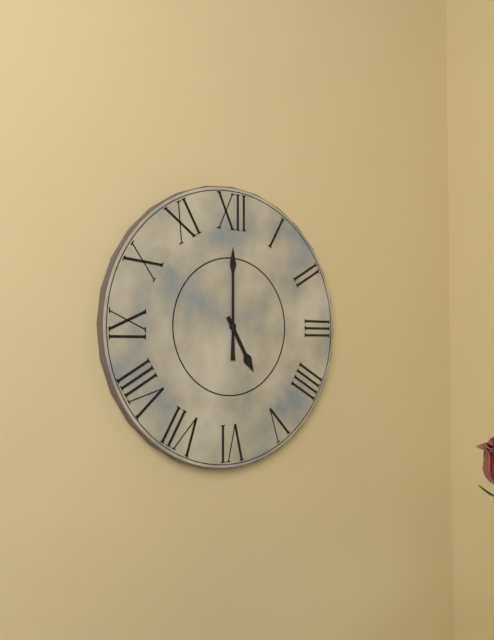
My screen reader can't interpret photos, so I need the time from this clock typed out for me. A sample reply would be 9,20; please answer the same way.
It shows 5,00
